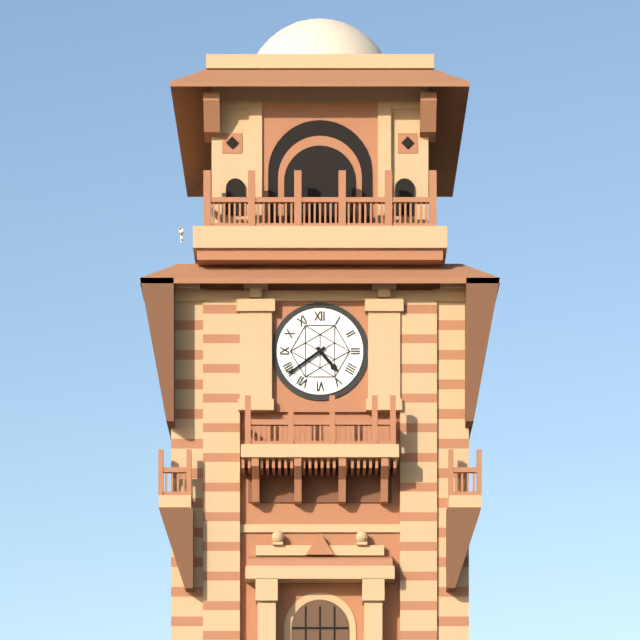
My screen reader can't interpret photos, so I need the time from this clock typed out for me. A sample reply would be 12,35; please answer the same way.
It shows 4,39
